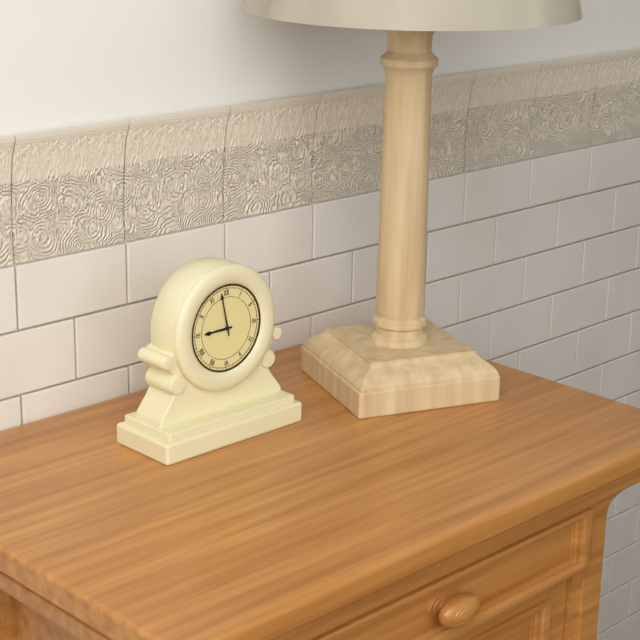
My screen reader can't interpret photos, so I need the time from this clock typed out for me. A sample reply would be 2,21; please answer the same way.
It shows 8,58
